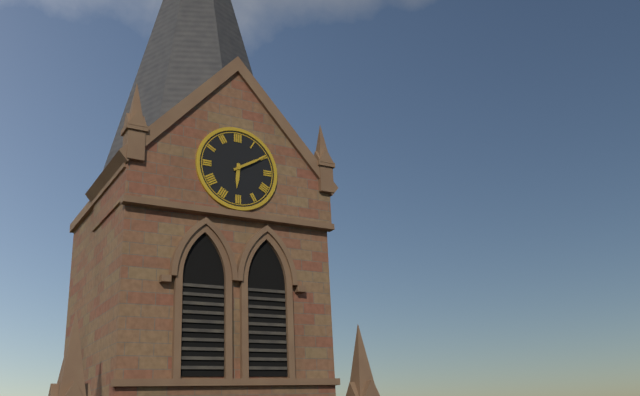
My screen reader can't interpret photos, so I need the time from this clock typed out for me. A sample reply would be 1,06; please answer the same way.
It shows 6,10
